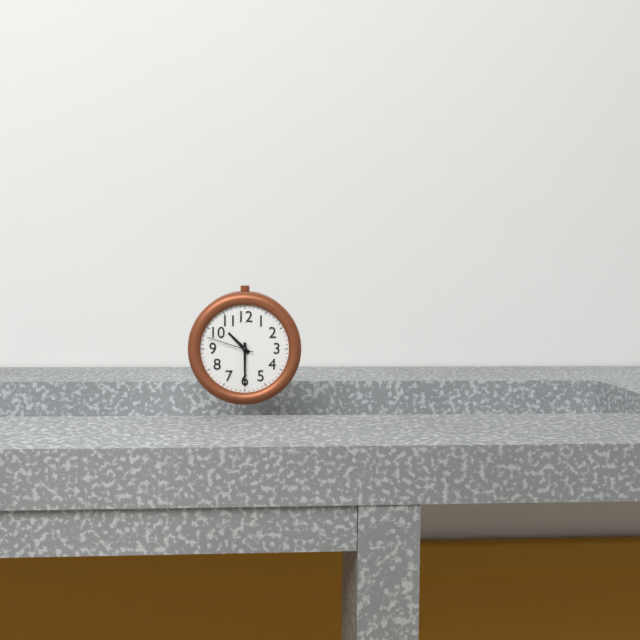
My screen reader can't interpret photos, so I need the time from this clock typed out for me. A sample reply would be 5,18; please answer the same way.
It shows 10,30
